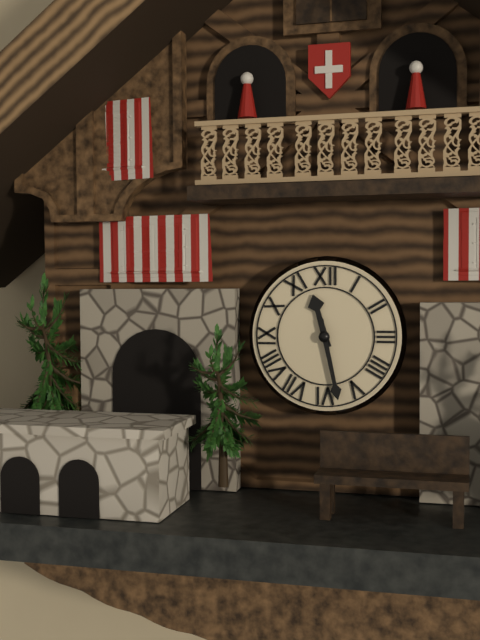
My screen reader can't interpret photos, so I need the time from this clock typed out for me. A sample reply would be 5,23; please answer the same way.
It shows 11,28
